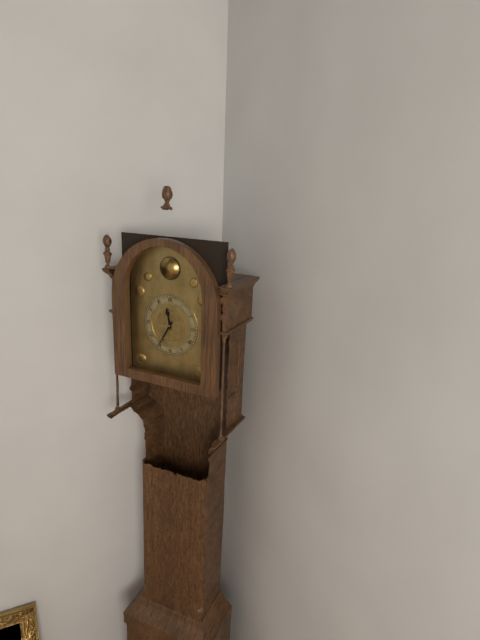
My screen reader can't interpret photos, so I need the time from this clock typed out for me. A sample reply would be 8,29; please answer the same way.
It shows 11,35
